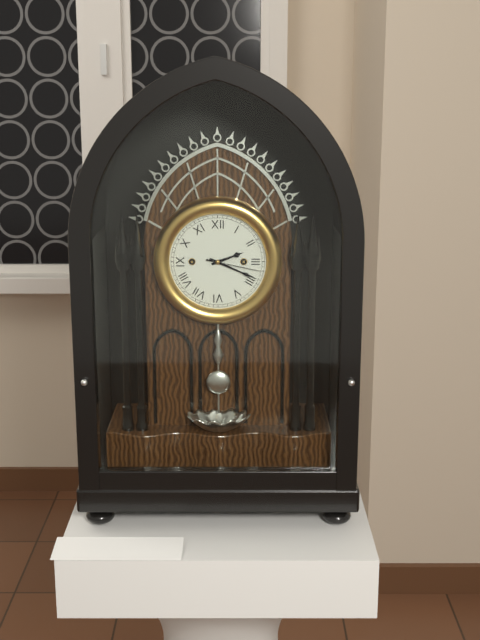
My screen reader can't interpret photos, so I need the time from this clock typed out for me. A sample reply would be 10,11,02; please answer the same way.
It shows 2,19,17
